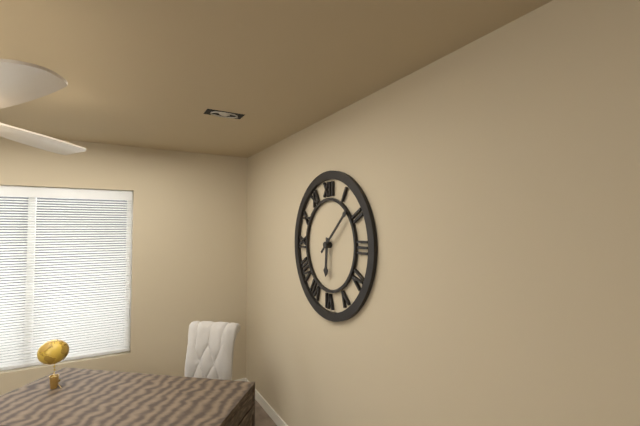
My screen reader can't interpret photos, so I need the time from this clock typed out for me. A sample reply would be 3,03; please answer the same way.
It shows 6,08
